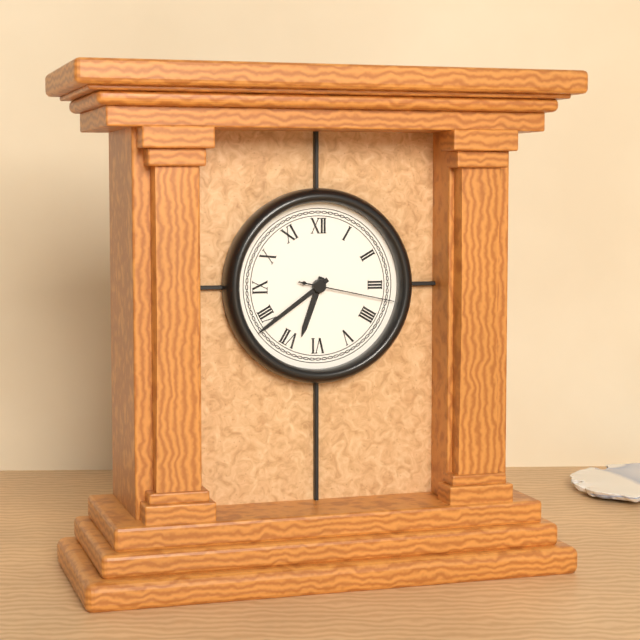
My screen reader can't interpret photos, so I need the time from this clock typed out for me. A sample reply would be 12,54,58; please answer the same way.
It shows 6,39,17
